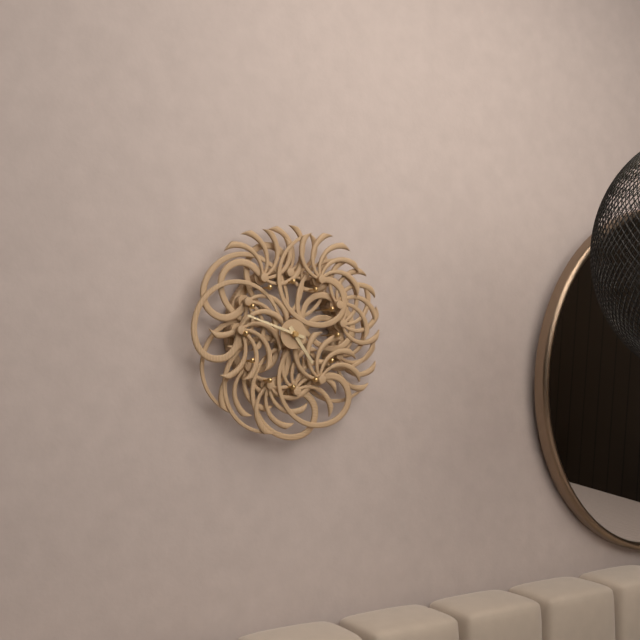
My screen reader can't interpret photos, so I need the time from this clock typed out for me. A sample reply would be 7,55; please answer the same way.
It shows 4,48
